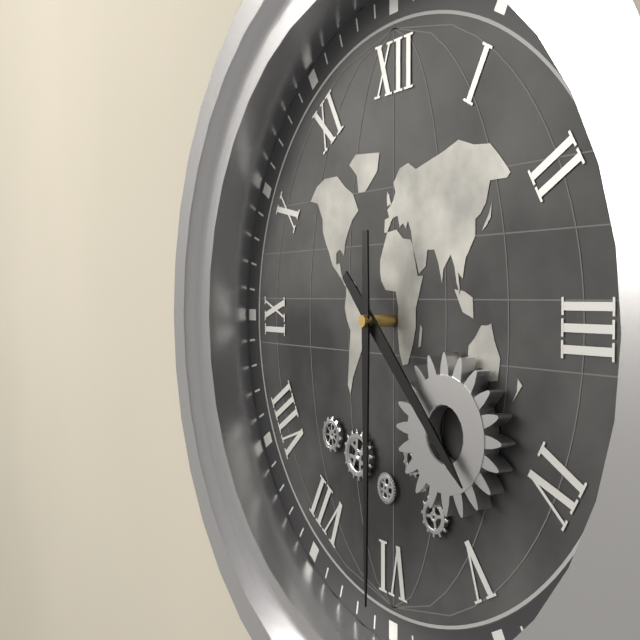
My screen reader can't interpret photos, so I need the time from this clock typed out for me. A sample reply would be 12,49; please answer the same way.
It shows 4,30
